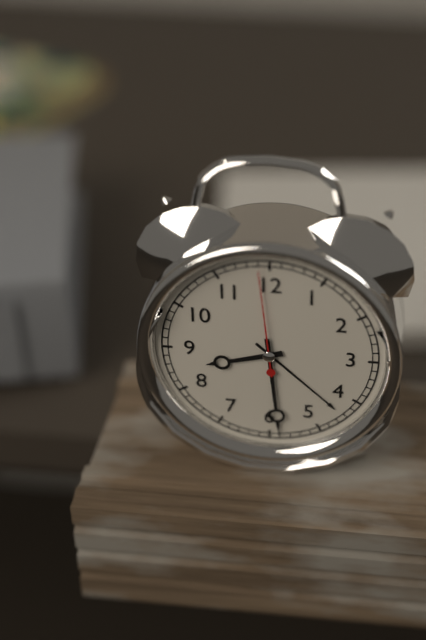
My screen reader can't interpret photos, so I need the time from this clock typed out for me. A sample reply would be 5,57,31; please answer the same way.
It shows 8,29,59
